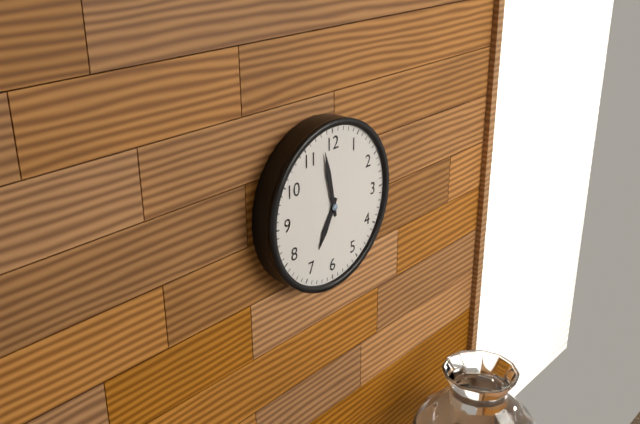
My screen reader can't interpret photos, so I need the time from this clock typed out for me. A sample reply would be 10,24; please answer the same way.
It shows 6,58
